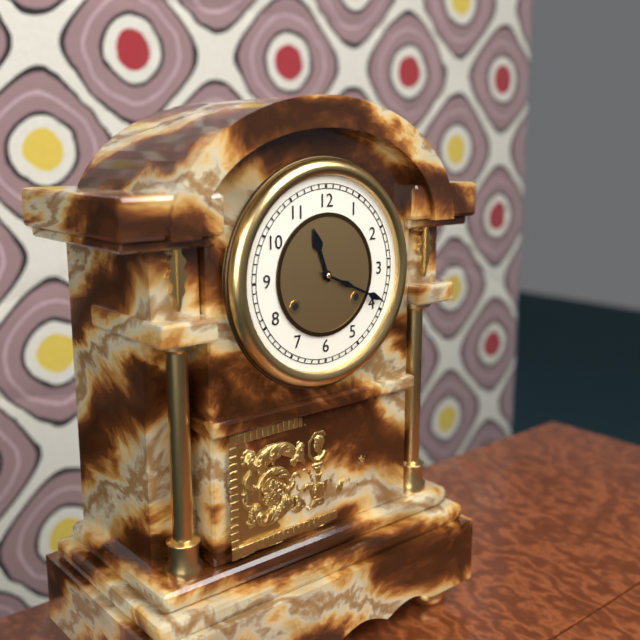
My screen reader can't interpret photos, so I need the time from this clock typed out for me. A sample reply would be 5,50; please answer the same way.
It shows 11,19
